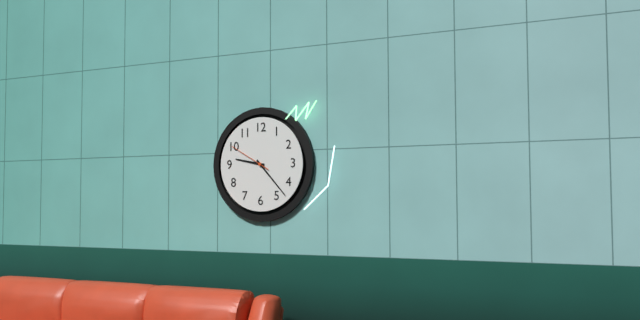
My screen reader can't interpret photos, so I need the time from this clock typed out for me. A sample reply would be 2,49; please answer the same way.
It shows 9,23
